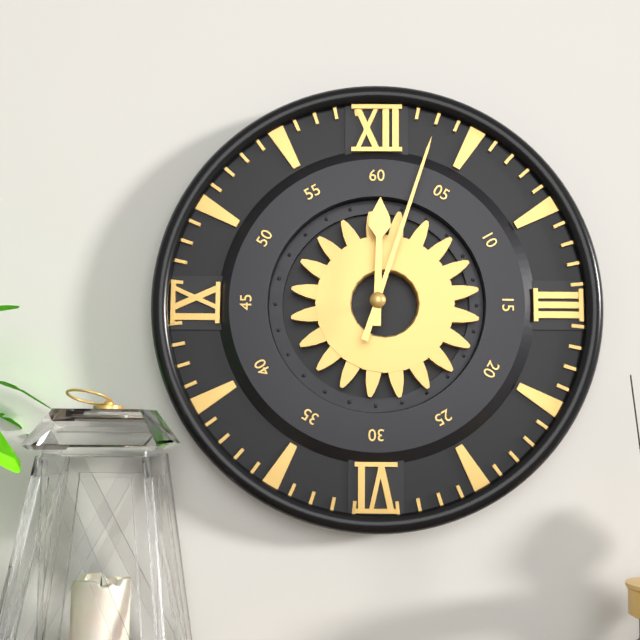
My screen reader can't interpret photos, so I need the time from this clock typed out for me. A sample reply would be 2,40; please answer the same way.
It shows 12,03
